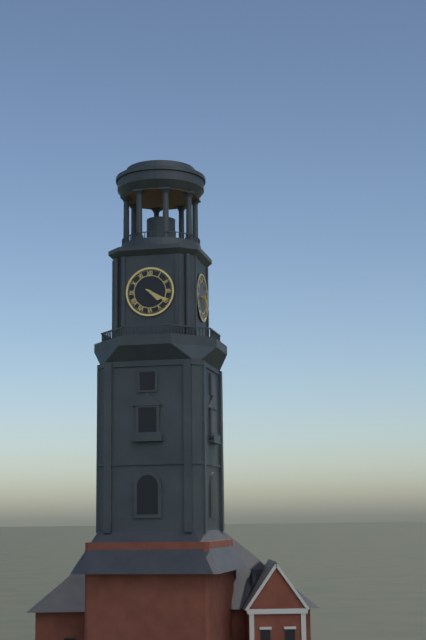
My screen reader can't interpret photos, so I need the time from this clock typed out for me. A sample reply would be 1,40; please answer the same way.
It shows 4,20
